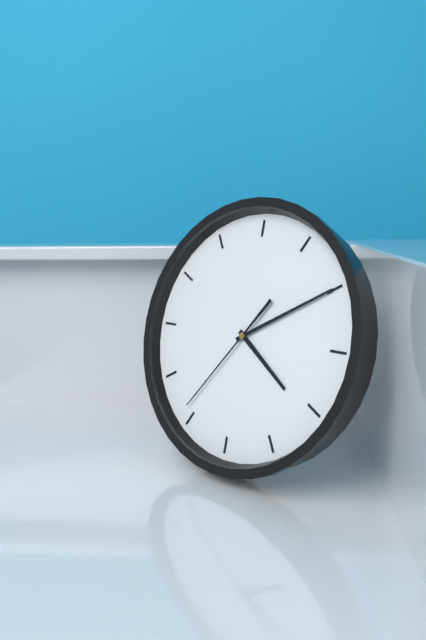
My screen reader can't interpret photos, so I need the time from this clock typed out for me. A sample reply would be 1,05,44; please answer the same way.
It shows 4,10,36
